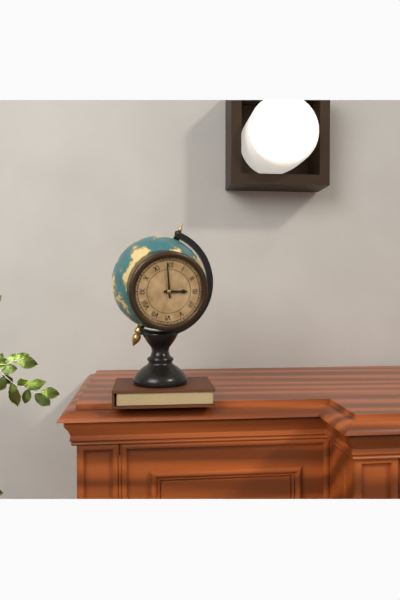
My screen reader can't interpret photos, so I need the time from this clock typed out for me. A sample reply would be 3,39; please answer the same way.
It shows 2,59
